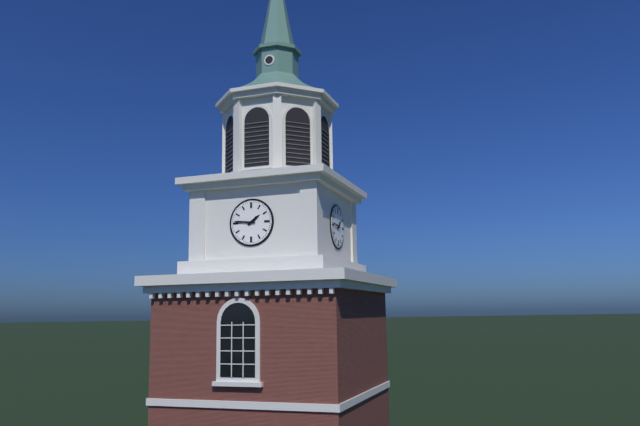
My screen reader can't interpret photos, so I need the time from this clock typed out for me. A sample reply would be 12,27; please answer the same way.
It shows 1,46
